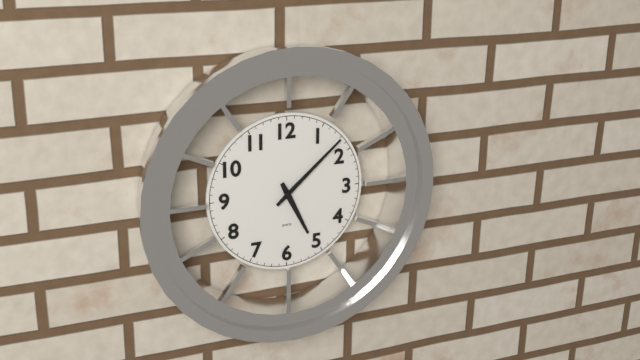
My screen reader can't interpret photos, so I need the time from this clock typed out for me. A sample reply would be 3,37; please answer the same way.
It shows 5,08
